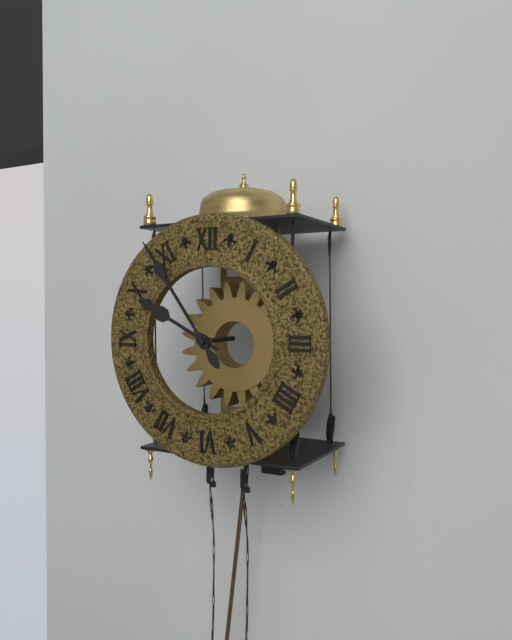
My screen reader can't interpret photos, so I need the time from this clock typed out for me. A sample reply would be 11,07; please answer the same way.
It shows 9,54
